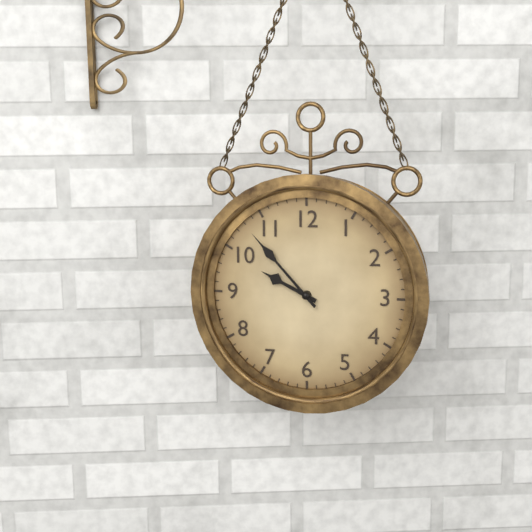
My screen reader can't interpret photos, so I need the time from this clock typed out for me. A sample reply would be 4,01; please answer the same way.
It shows 9,53
